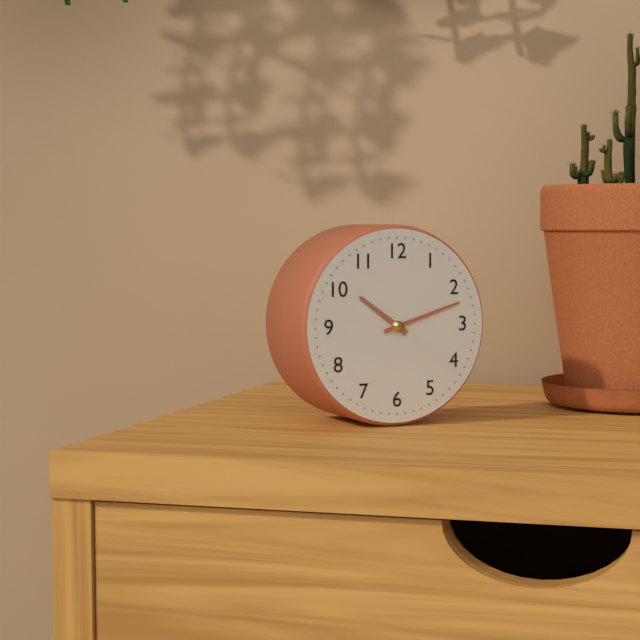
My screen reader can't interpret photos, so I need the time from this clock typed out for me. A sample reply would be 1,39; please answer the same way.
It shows 10,12
